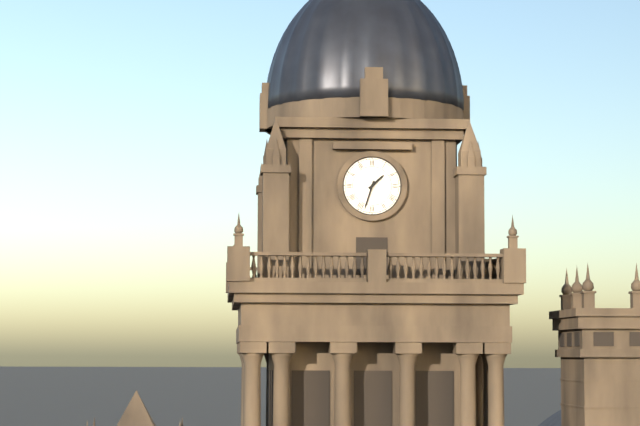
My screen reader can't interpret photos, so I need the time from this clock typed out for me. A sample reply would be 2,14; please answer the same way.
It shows 1,33
